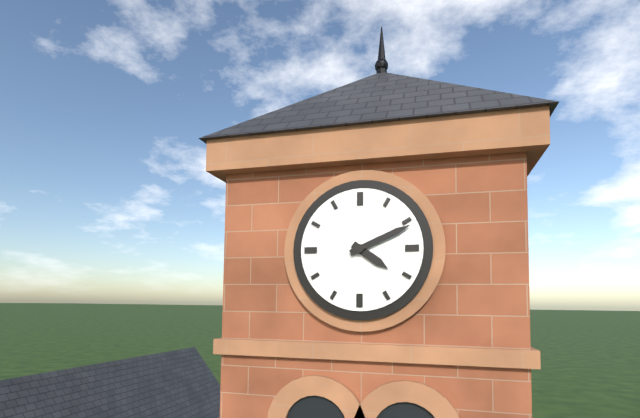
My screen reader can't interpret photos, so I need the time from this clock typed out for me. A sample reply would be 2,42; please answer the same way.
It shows 4,11
